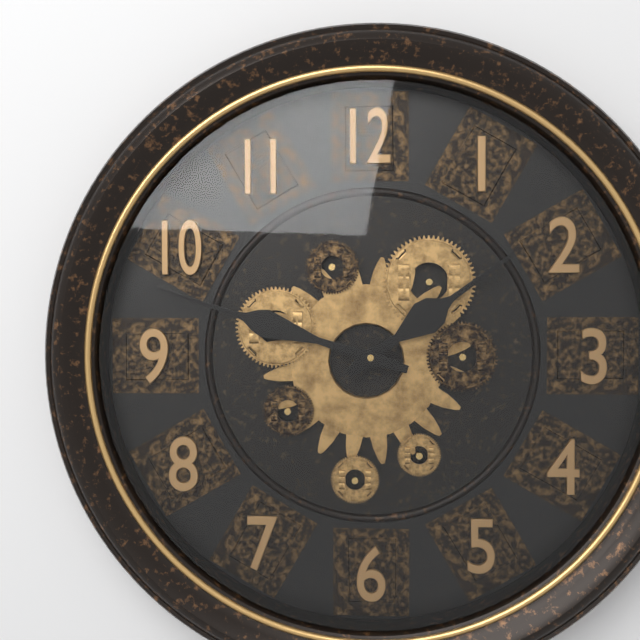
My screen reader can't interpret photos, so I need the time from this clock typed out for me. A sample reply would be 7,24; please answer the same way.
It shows 1,48
